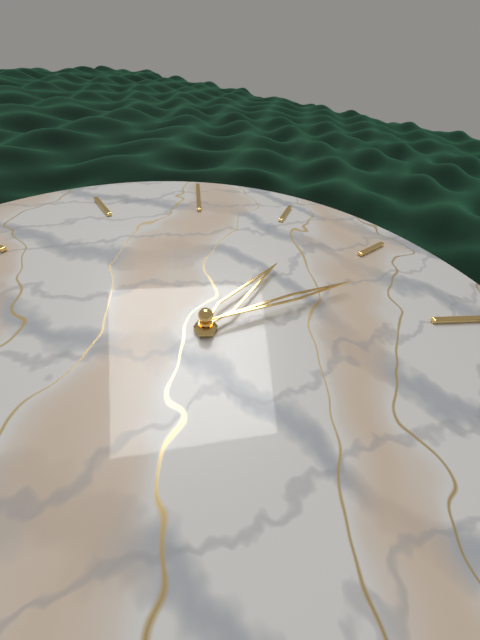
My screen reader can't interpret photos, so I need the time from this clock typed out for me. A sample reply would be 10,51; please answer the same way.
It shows 4,27
